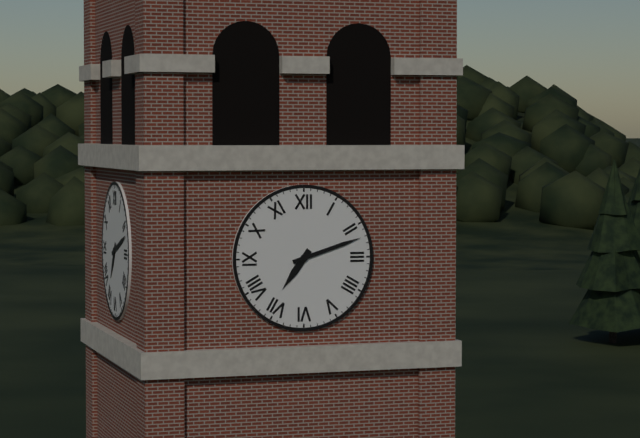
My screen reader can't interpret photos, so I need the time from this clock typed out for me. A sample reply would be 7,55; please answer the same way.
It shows 7,12
